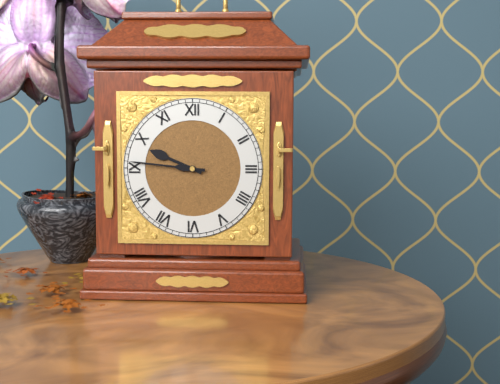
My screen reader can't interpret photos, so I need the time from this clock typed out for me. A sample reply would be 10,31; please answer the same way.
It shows 9,46
